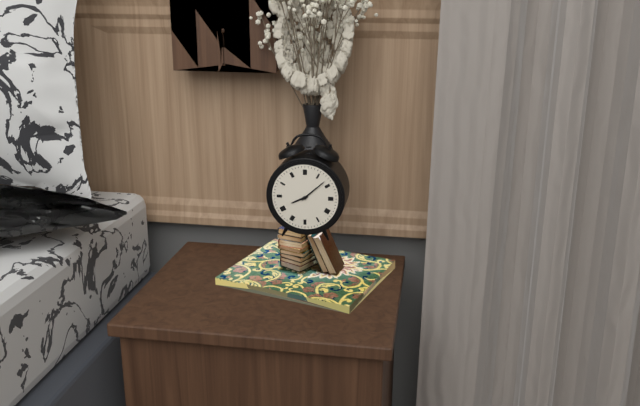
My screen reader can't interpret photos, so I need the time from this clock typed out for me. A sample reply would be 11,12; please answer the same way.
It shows 8,08
